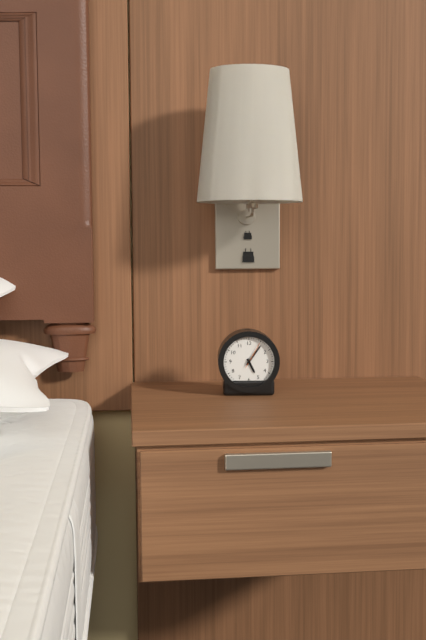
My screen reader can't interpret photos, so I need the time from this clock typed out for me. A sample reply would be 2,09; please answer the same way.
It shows 5,06
